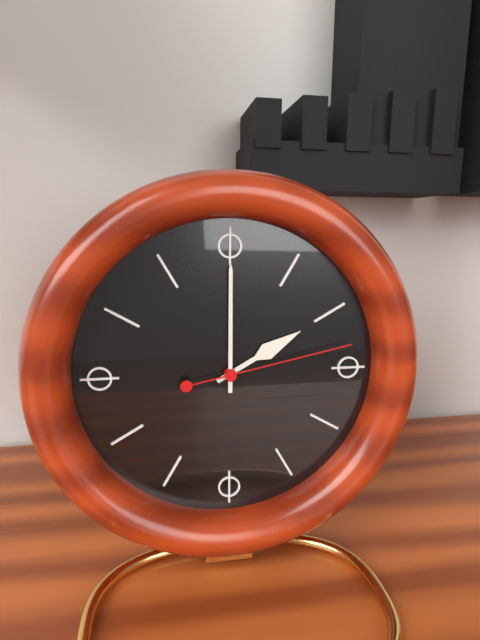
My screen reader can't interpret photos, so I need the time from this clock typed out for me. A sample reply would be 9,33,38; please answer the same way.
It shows 2,00,13
